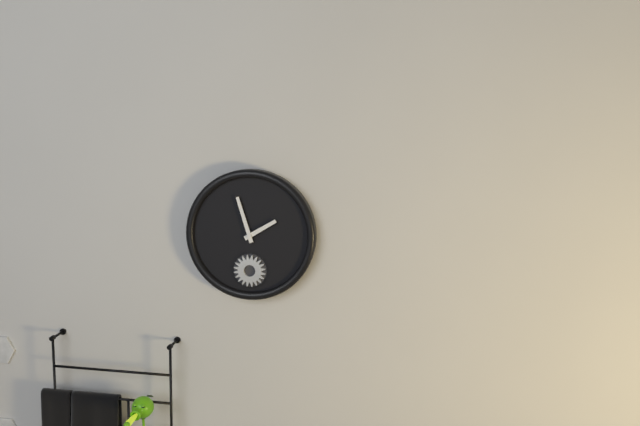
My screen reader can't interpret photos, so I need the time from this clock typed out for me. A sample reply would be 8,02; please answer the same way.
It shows 1,57
